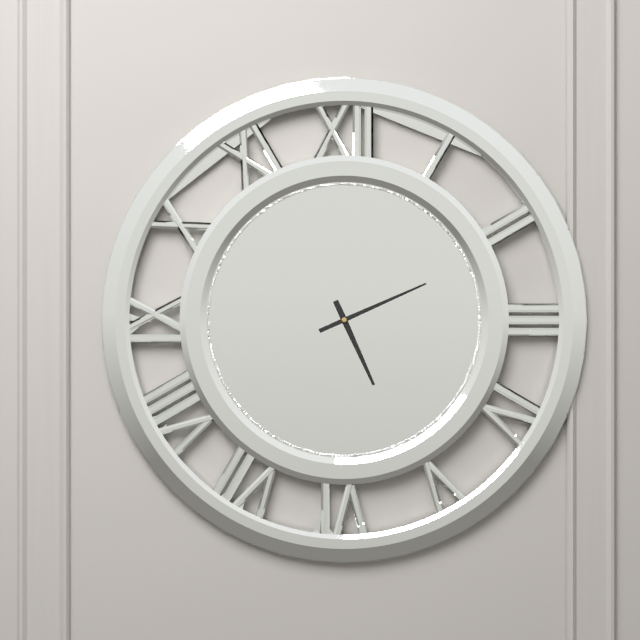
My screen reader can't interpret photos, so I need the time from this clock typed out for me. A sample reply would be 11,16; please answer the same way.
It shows 5,11
